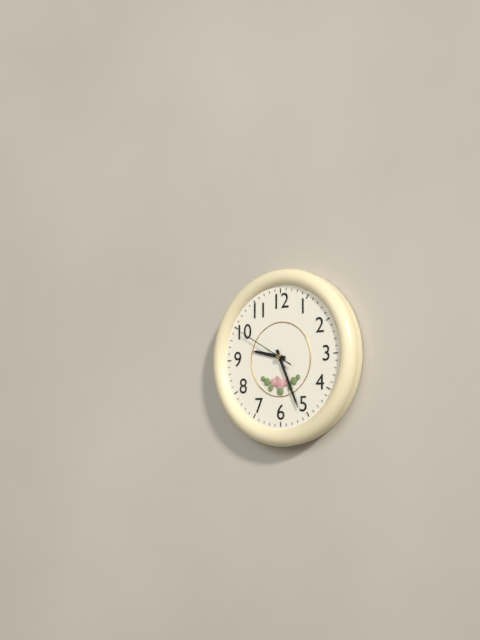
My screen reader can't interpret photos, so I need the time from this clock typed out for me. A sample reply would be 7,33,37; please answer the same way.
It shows 9,26,50
